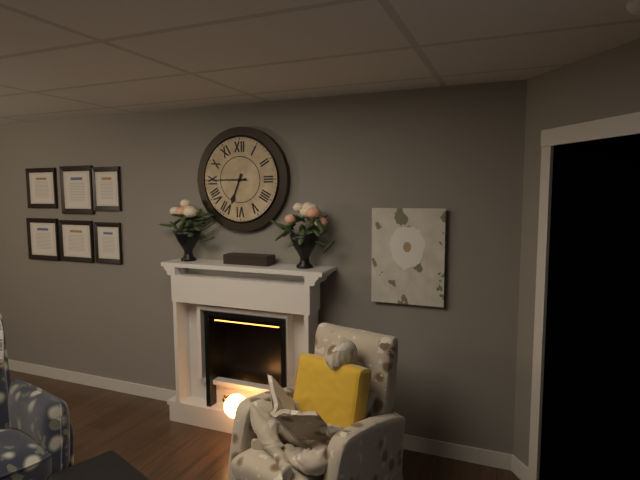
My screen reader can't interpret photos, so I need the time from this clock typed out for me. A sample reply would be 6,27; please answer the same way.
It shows 6,45
